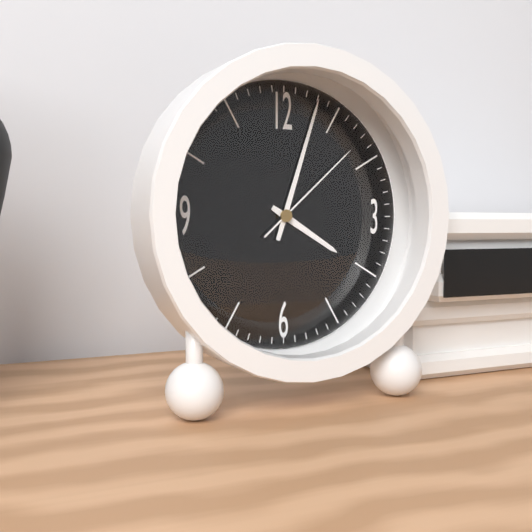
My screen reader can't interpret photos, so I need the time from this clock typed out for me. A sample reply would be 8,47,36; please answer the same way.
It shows 4,03,08
